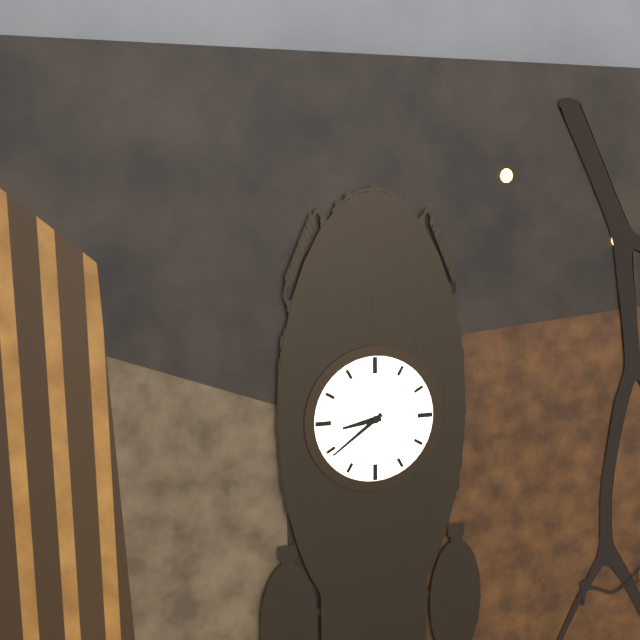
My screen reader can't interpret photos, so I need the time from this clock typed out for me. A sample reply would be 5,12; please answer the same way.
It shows 8,39
